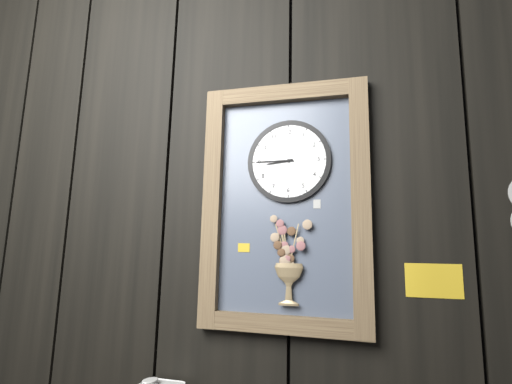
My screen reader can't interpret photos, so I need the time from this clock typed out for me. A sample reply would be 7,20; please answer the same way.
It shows 8,45
